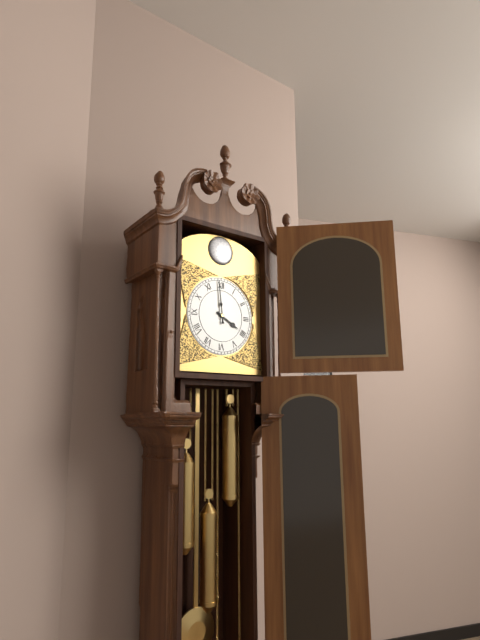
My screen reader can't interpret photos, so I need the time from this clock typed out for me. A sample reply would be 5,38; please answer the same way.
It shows 3,59
